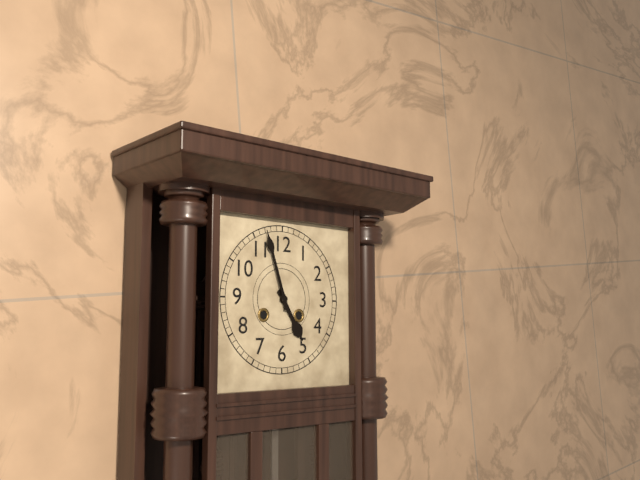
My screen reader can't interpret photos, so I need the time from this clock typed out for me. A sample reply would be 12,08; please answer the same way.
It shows 4,57
